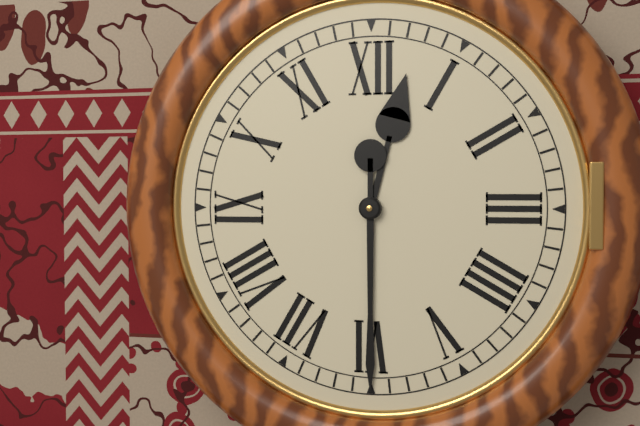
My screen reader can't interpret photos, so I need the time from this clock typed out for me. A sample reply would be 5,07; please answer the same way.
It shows 12,30
